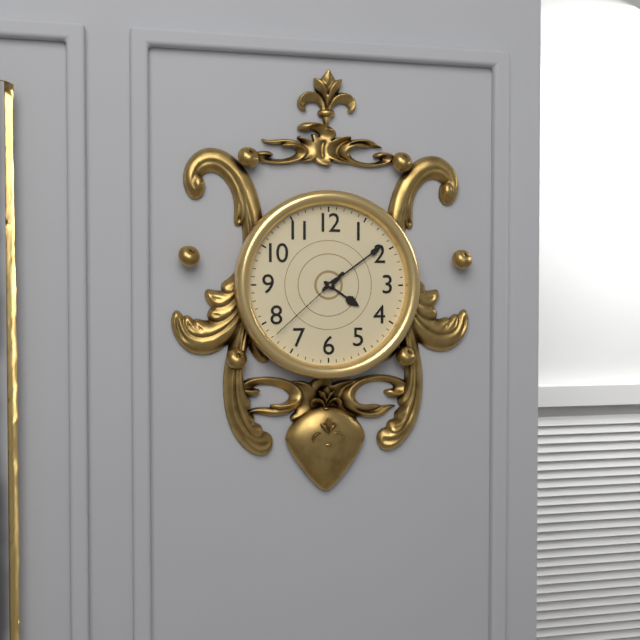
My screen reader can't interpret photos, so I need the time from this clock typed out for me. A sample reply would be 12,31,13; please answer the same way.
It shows 4,09,38
